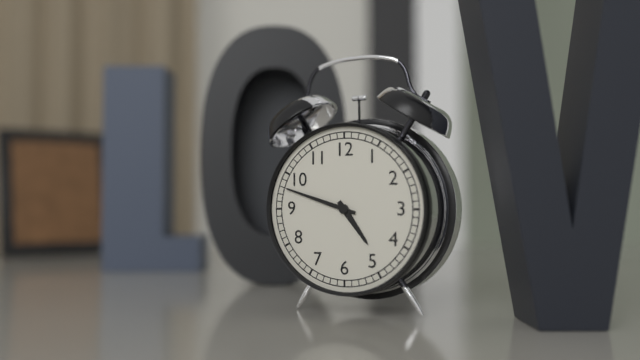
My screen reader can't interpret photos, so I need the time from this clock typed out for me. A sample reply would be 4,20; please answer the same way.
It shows 4,48
